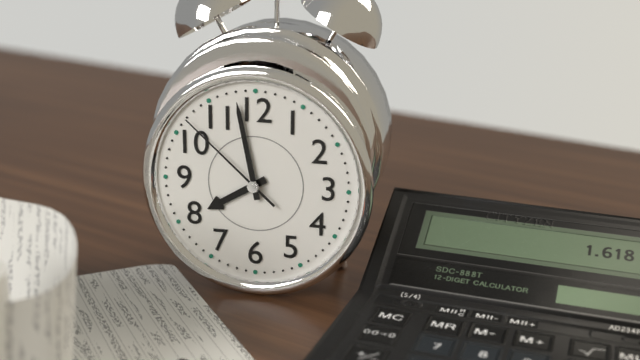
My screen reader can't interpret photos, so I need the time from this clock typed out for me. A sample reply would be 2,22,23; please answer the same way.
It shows 7,58,52
